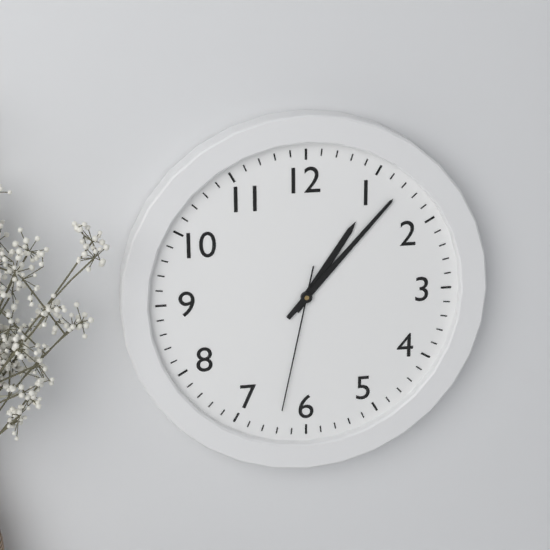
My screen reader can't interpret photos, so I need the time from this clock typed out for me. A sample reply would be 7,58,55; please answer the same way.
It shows 1,07,32
